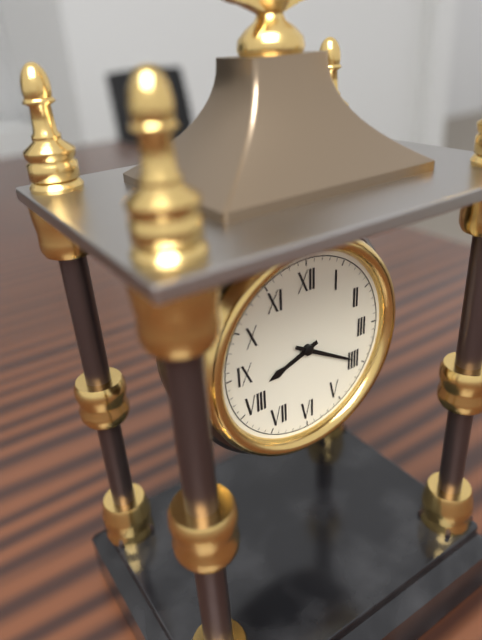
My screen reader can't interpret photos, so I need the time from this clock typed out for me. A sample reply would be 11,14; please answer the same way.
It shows 8,20
